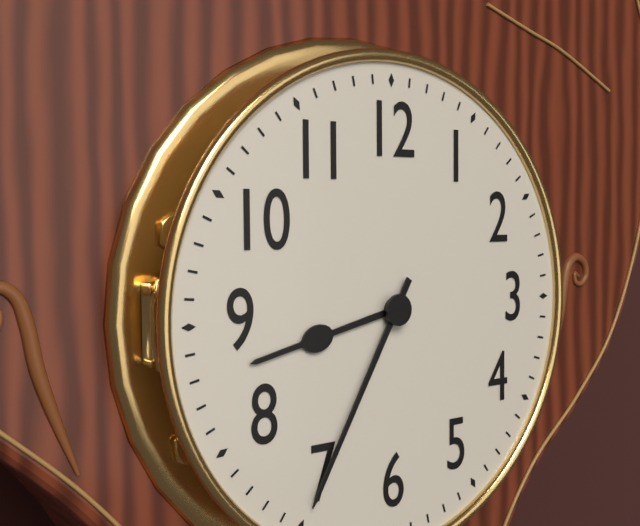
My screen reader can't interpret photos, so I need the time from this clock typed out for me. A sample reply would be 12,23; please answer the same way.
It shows 8,35
